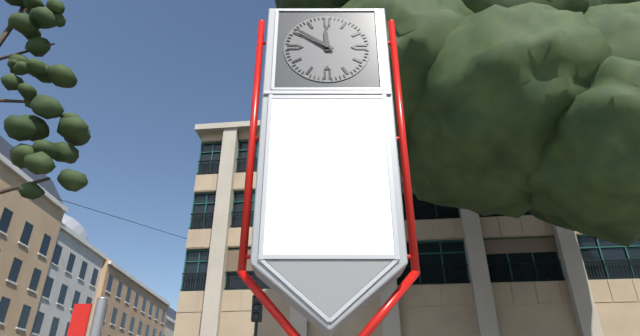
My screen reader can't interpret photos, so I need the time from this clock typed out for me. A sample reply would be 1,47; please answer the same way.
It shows 11,51
